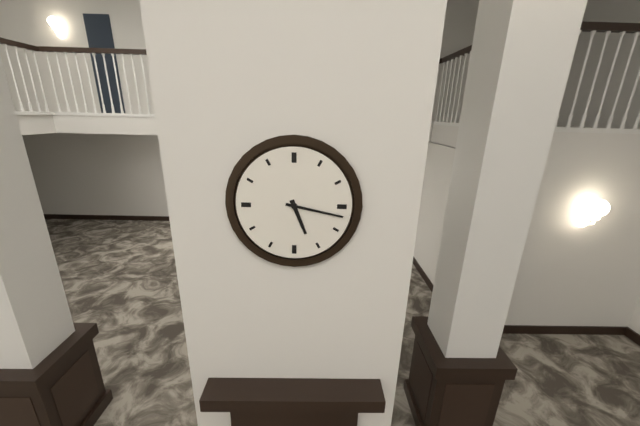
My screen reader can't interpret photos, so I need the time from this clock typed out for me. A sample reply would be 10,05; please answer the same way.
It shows 5,17
